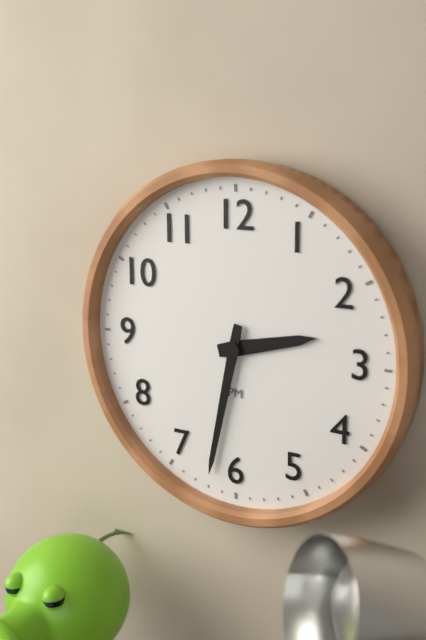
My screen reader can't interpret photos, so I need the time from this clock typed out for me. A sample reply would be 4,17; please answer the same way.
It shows 2,32
